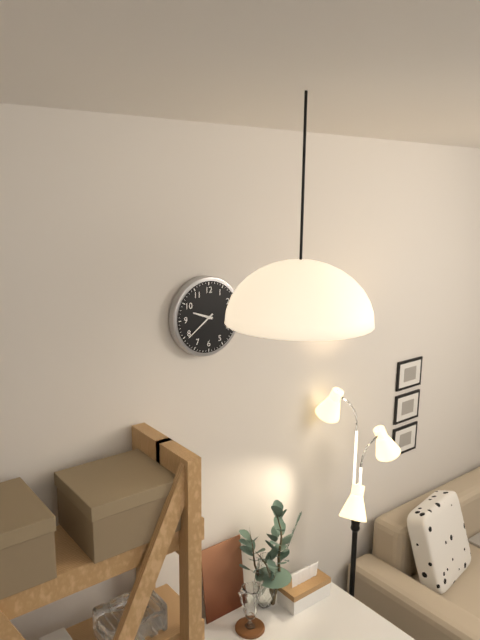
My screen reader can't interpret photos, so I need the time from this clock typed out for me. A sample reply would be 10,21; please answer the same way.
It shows 9,39
